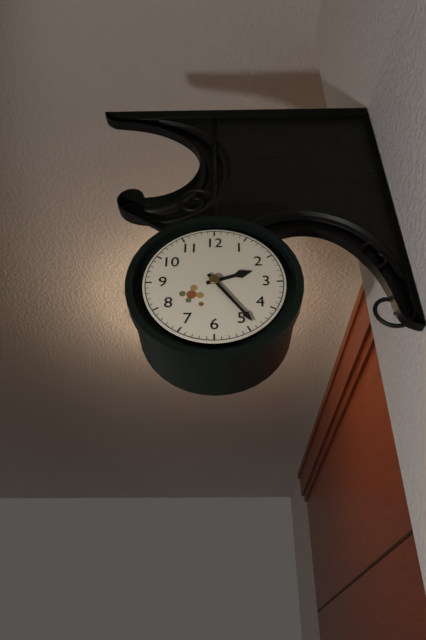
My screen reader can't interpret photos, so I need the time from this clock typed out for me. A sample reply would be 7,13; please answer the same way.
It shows 2,24
